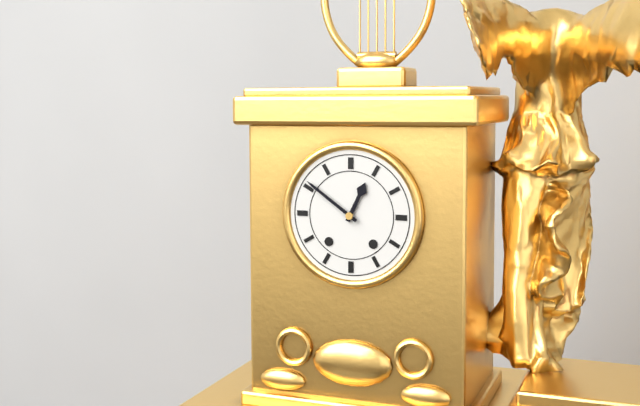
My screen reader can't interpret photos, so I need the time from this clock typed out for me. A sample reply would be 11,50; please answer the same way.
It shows 12,51
